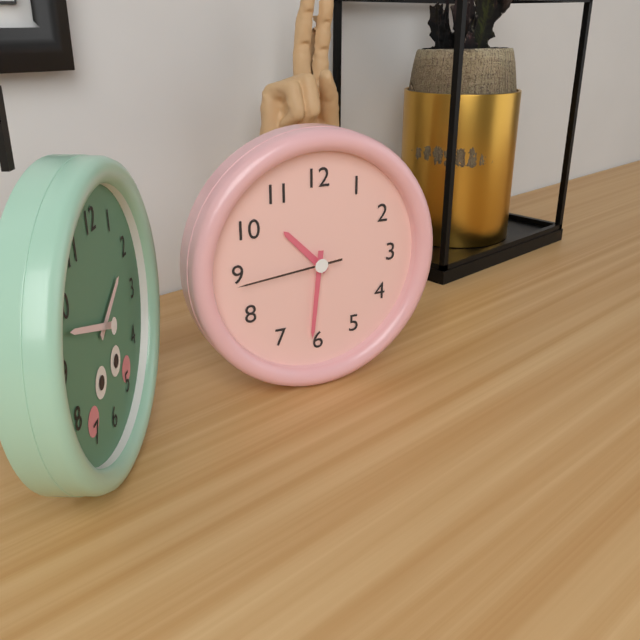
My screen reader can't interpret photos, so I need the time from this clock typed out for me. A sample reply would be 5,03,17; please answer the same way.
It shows 10,31,44
